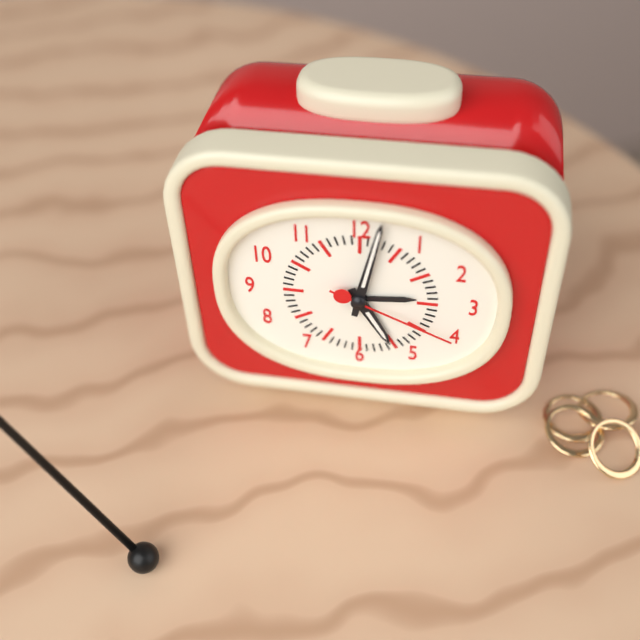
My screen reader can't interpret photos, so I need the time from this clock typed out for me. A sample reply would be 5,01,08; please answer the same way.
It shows 5,02,19
